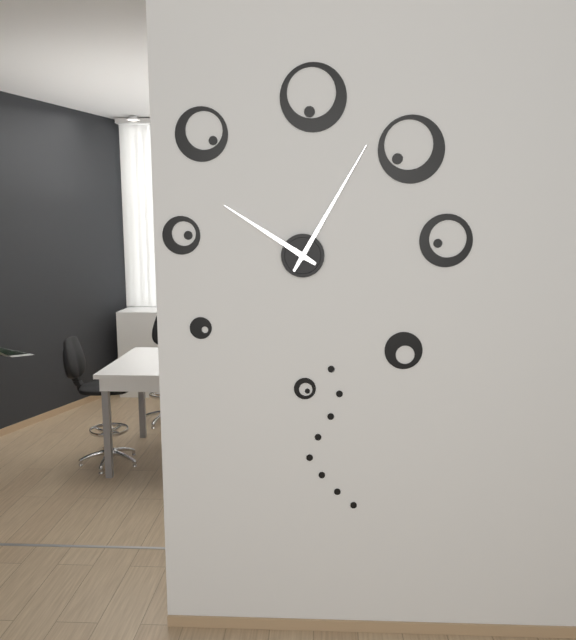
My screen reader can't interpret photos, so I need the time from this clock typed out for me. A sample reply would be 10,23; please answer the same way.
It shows 10,05
